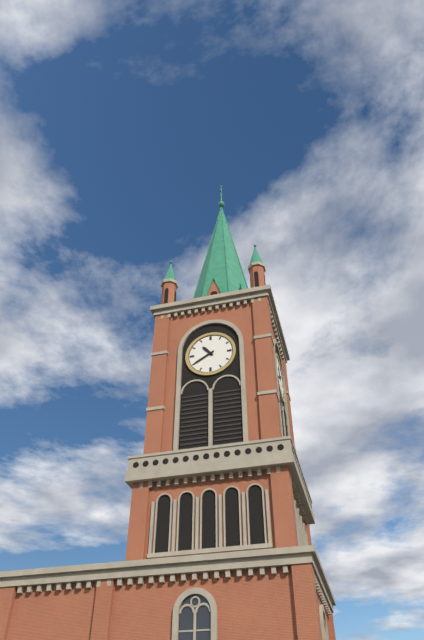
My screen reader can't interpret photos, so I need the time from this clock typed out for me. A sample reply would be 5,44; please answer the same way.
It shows 10,40
